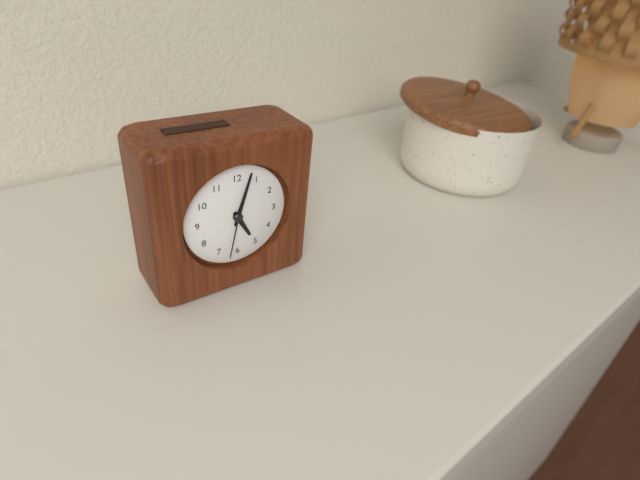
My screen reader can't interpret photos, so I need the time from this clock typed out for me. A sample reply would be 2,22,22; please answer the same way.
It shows 5,03,32
